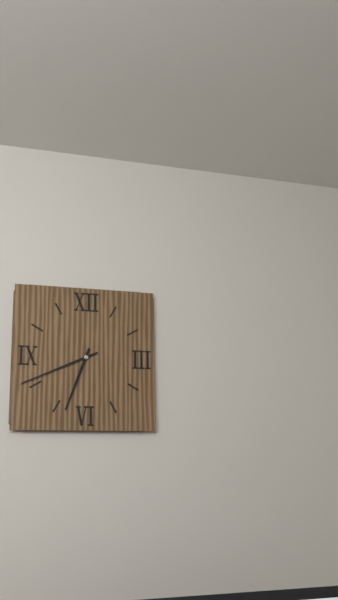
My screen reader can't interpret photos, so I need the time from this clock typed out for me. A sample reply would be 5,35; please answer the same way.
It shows 6,41
